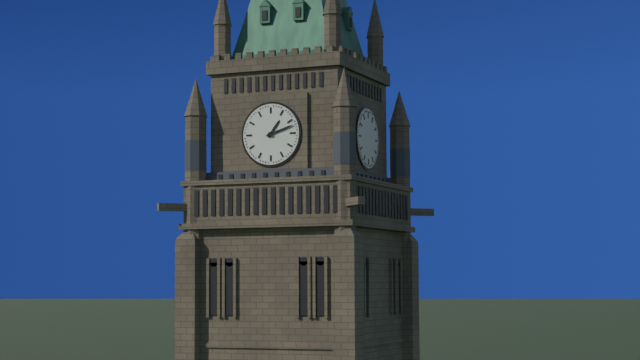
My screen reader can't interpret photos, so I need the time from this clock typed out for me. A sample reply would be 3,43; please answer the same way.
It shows 1,12
